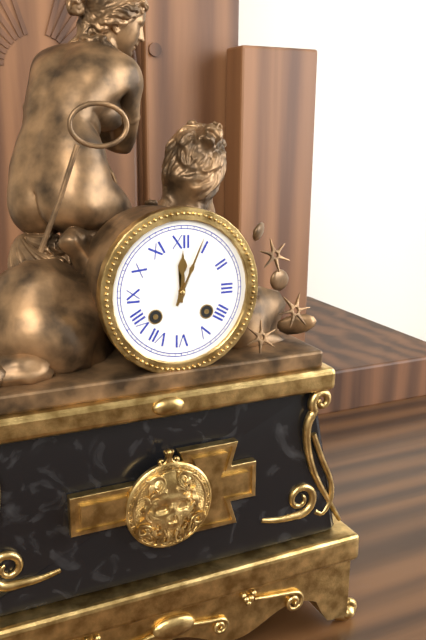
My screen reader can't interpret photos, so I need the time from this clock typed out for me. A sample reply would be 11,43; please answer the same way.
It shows 12,04
